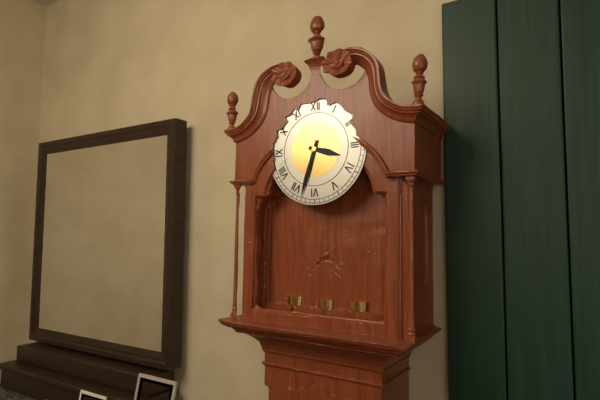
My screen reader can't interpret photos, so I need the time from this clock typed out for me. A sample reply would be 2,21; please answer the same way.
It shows 3,33
